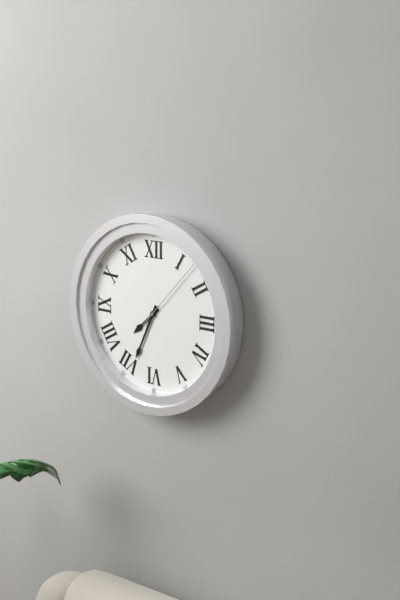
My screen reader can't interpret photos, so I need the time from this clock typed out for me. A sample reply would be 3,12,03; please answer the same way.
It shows 7,34,07
